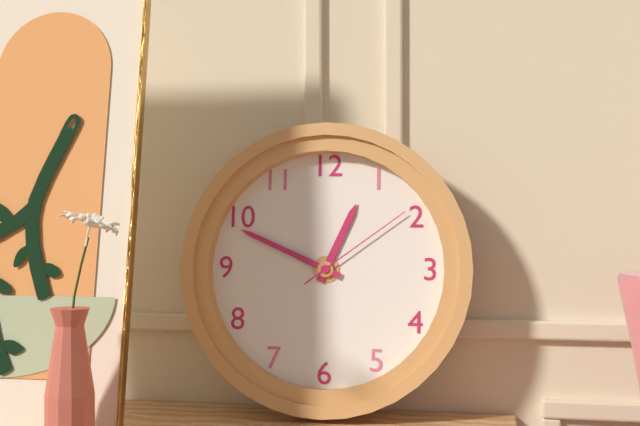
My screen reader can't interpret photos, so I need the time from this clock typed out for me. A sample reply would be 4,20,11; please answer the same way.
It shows 12,49,09
